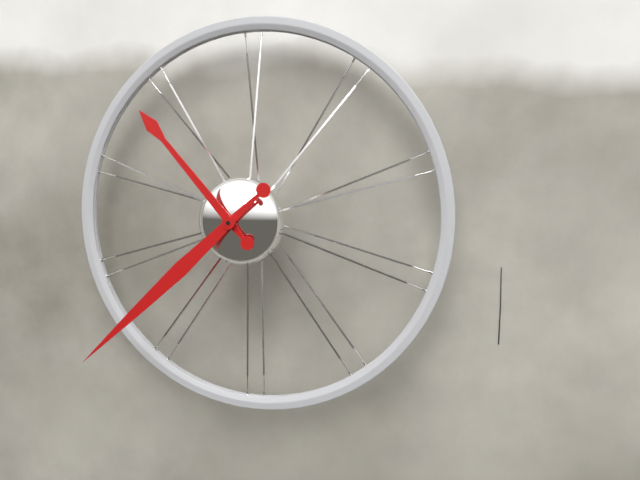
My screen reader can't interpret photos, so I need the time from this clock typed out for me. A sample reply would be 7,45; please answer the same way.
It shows 10,38
